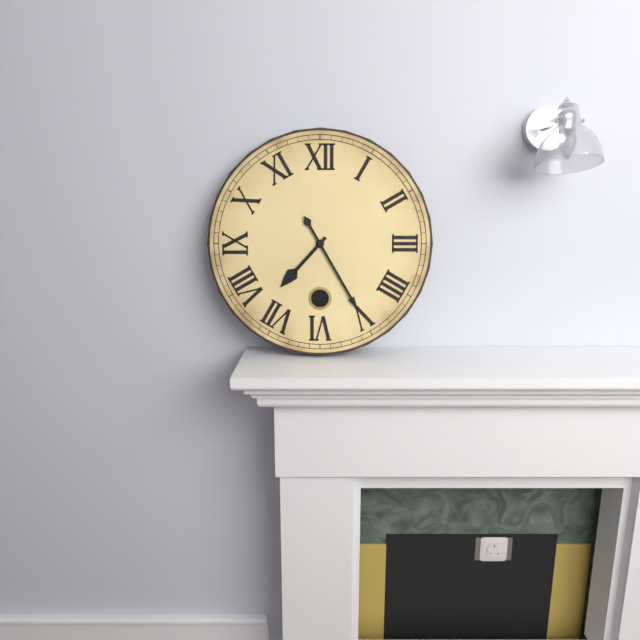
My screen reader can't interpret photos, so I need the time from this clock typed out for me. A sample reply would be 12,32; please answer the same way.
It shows 7,25
